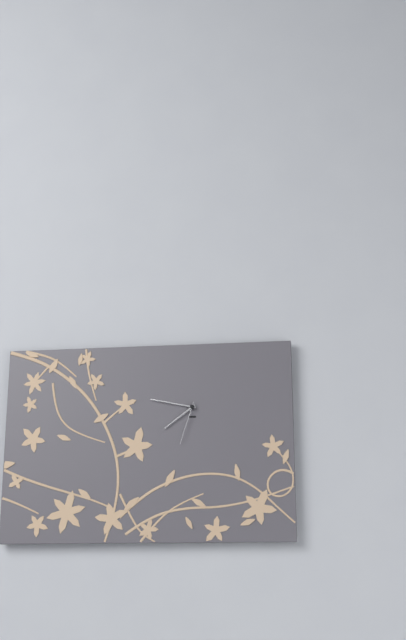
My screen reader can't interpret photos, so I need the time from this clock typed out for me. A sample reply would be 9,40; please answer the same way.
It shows 7,47
